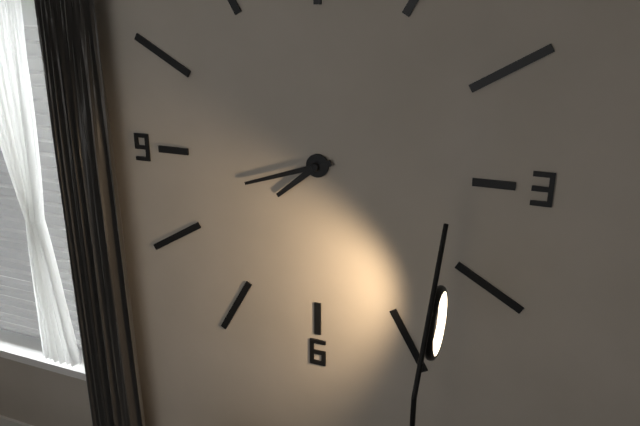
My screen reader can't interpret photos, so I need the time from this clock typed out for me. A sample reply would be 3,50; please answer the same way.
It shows 7,42
